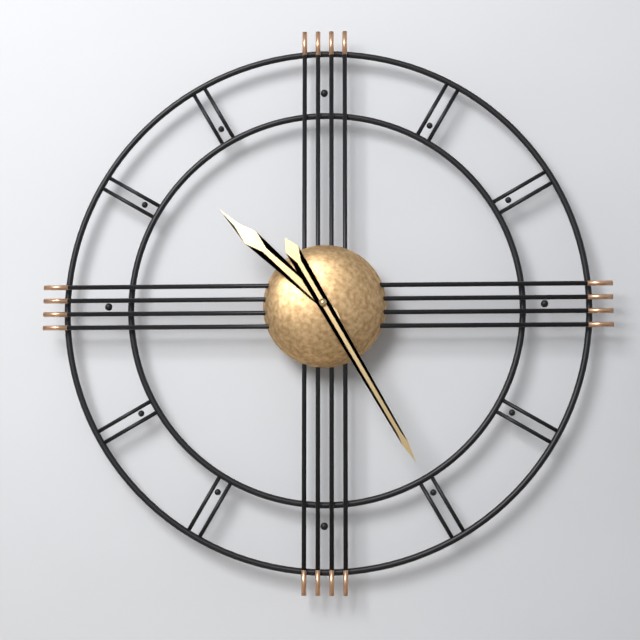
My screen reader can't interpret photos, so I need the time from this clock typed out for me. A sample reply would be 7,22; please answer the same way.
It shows 10,25
